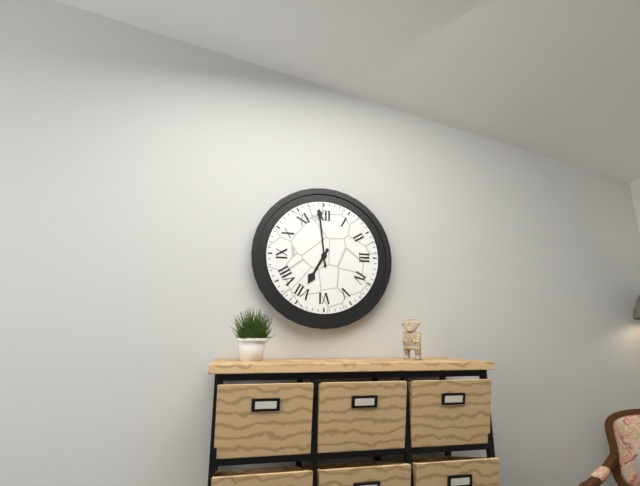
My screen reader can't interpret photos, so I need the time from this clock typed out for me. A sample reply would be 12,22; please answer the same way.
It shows 6,59
